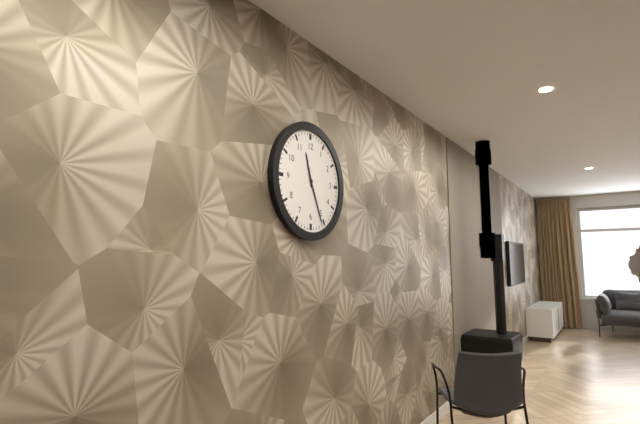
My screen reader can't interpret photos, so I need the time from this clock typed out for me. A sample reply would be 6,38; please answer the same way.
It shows 11,26
